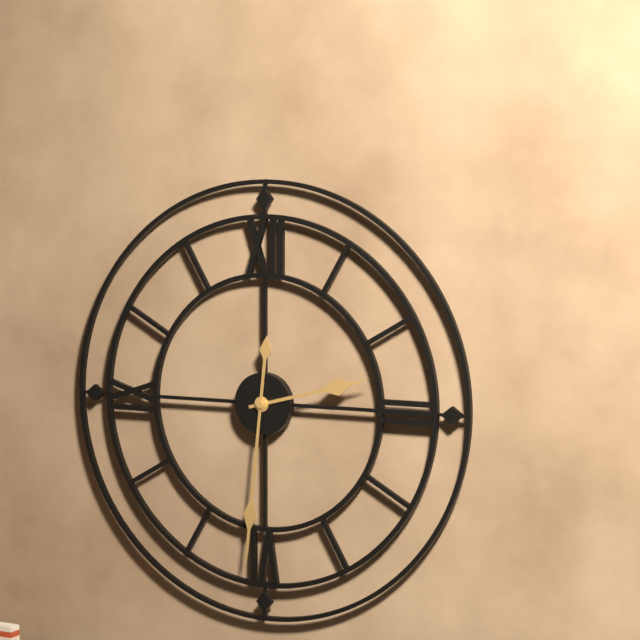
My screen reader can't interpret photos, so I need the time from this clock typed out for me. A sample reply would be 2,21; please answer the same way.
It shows 2,31
